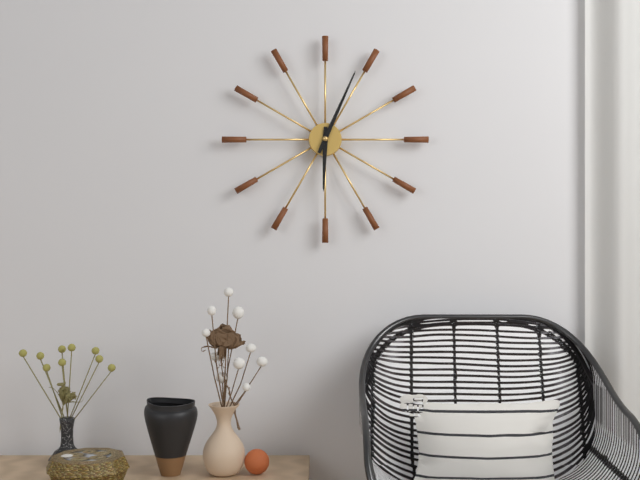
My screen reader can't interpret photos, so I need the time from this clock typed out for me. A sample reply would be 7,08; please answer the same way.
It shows 6,04
